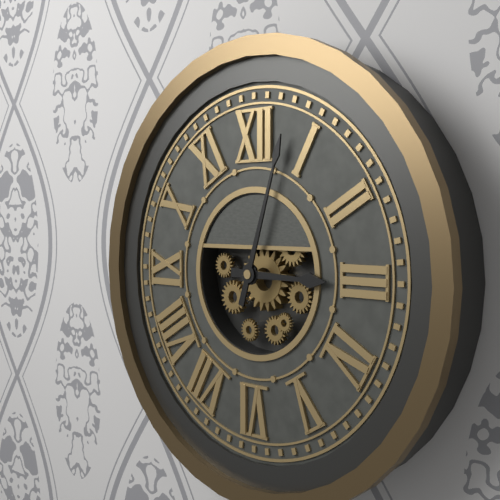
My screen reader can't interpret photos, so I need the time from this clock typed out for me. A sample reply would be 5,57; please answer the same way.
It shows 3,03
